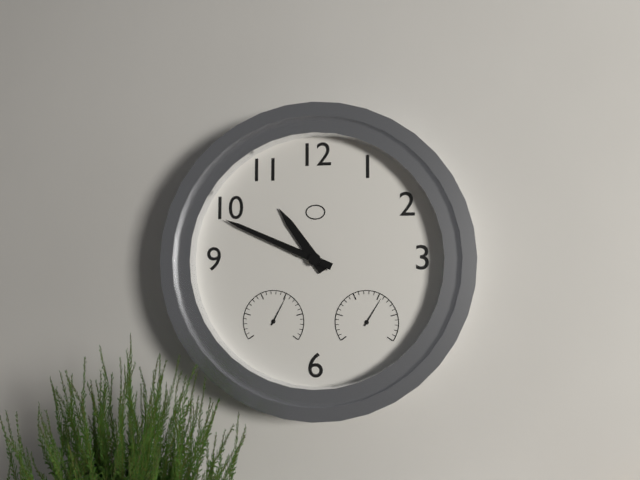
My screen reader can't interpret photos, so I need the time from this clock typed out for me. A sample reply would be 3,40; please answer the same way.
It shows 10,49
